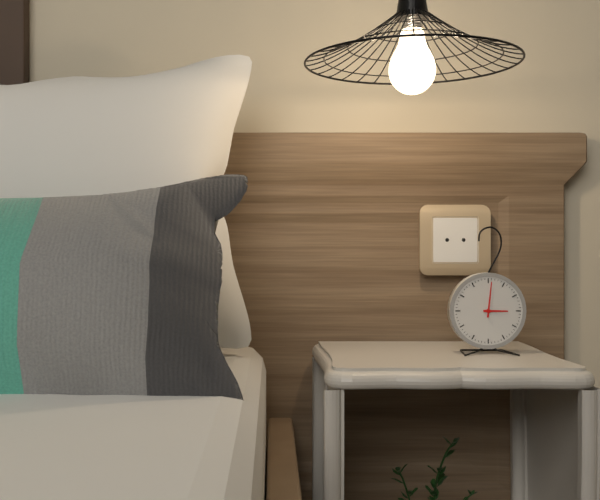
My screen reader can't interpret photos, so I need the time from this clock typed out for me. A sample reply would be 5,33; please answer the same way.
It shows 3,01
